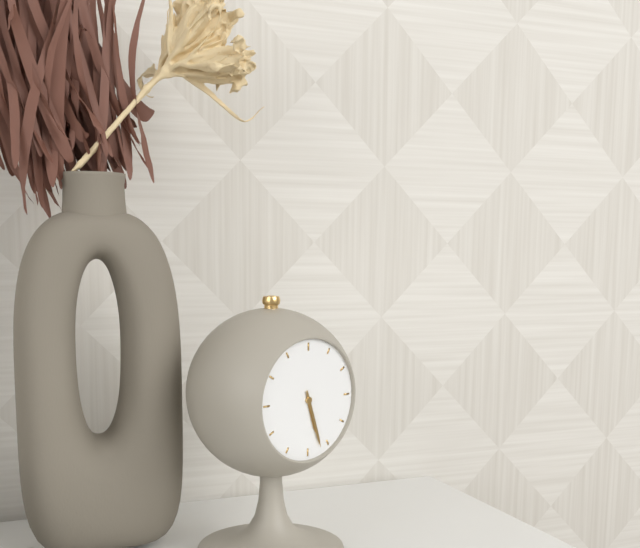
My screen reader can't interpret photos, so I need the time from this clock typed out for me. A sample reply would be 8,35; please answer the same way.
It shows 5,27
